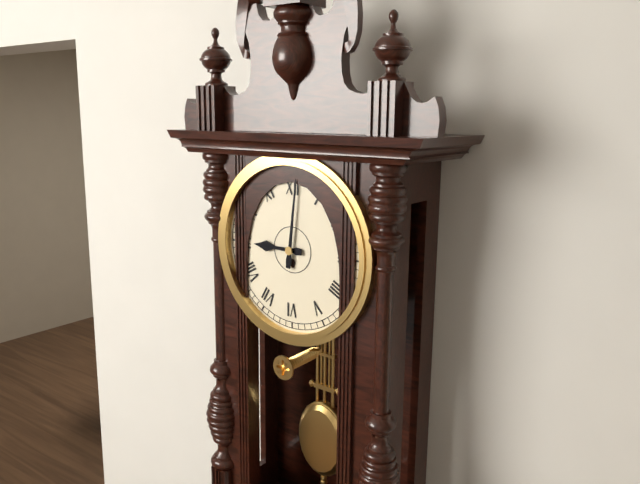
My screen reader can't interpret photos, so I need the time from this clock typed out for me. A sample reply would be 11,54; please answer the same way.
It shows 9,01
